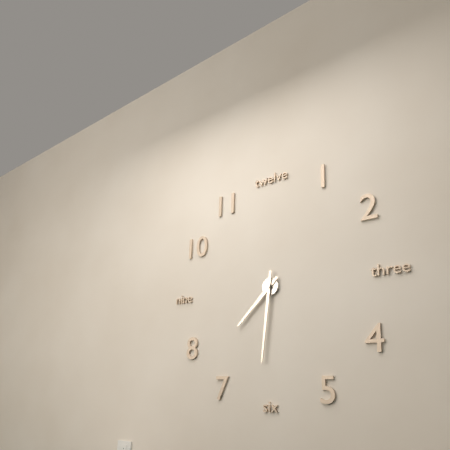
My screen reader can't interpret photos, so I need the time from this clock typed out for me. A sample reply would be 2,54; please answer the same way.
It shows 7,31
